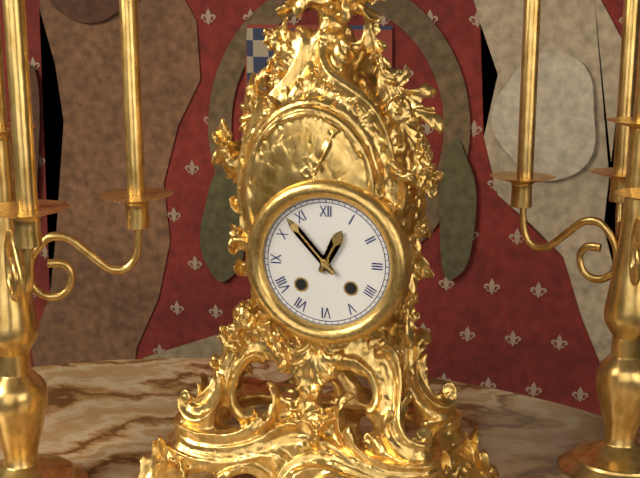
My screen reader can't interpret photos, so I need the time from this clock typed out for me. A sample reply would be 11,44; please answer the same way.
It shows 12,53
